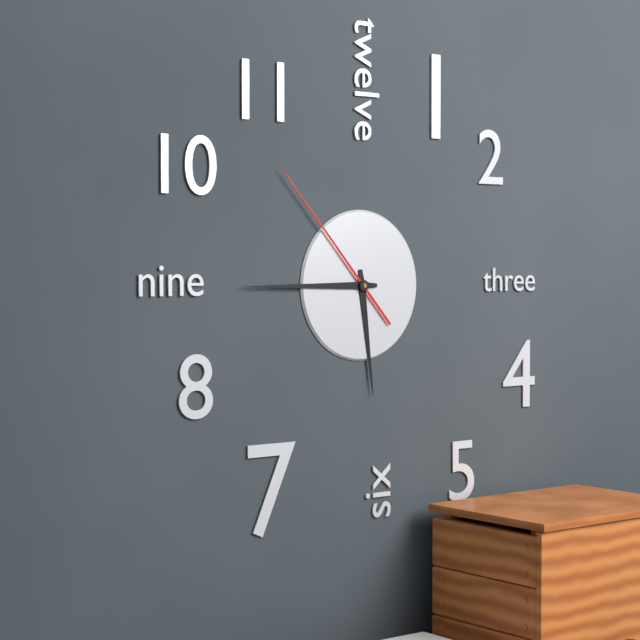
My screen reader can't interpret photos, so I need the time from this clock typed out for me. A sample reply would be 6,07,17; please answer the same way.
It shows 5,45,53
